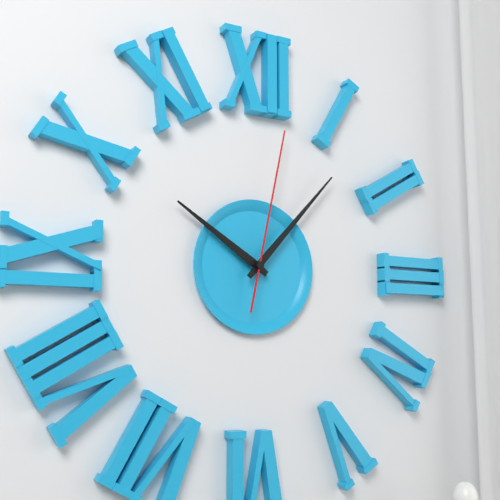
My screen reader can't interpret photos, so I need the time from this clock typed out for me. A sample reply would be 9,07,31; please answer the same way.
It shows 10,07,02
